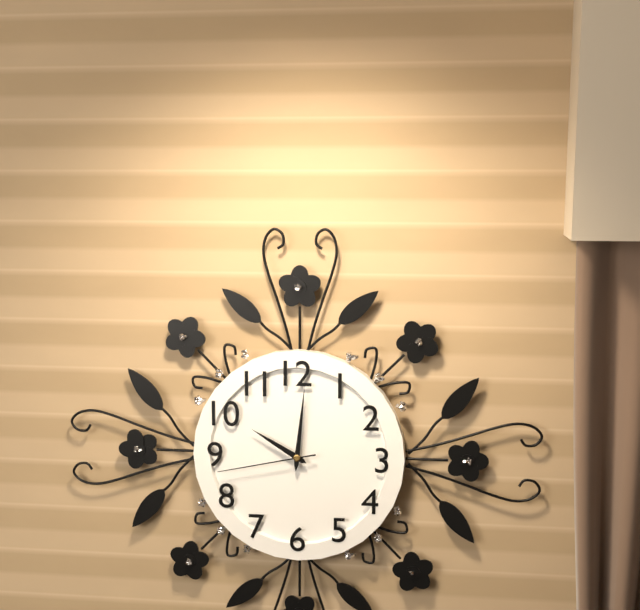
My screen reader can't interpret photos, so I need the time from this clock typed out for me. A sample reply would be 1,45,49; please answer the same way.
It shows 10,01,43
